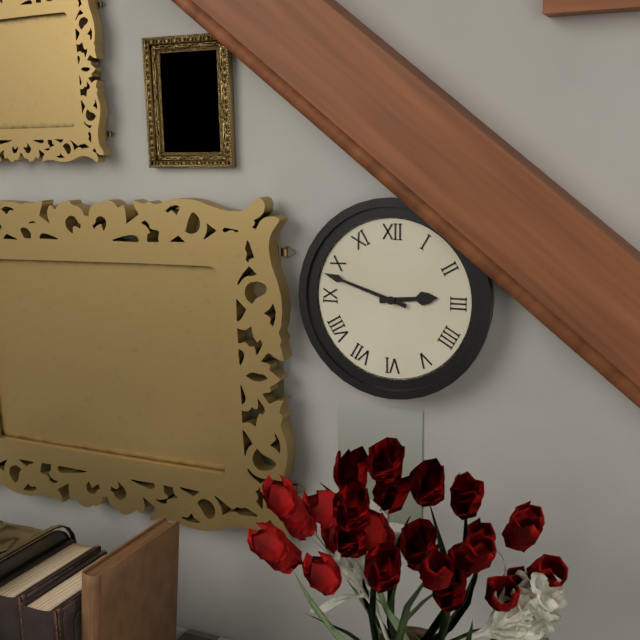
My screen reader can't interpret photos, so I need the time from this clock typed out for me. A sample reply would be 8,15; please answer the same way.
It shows 2,48
